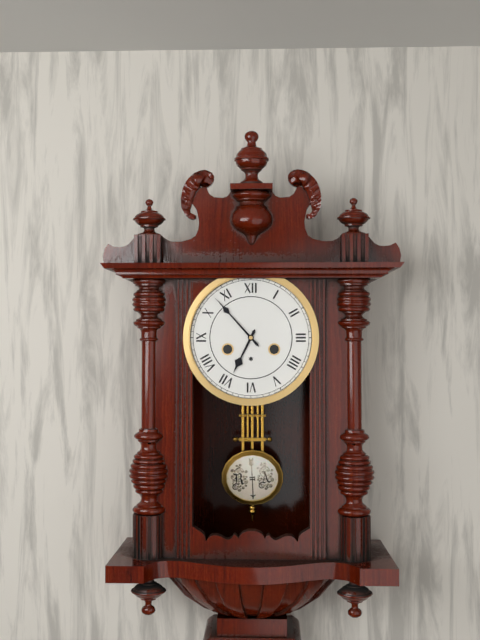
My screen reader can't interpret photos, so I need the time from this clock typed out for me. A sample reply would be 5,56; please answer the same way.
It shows 6,53
